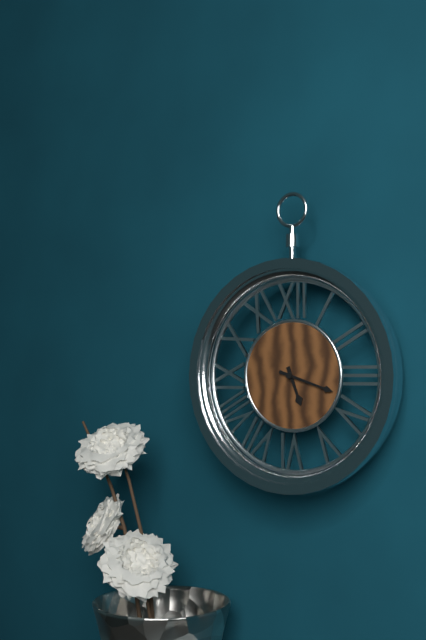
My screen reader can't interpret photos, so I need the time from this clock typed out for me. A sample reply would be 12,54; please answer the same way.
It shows 5,18
